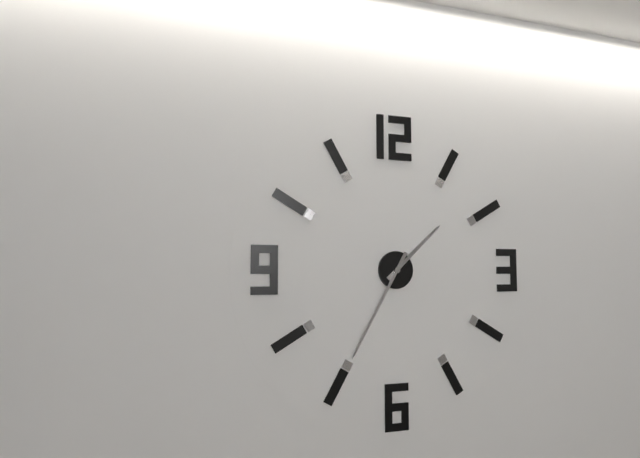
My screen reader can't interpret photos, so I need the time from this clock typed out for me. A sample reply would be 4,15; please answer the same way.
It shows 1,35
